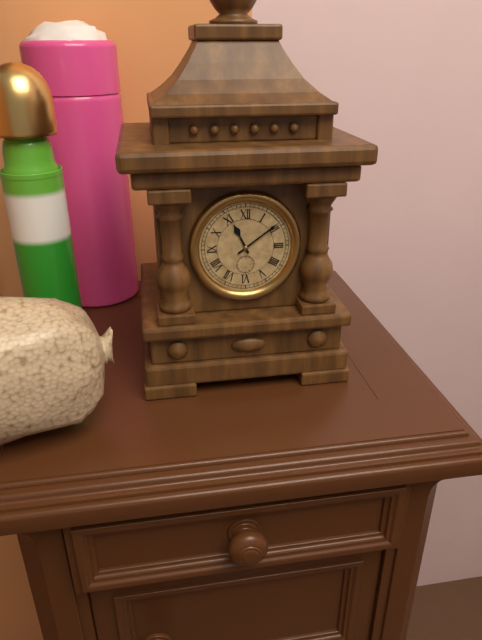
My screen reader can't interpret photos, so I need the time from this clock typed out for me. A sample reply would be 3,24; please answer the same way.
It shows 11,09
